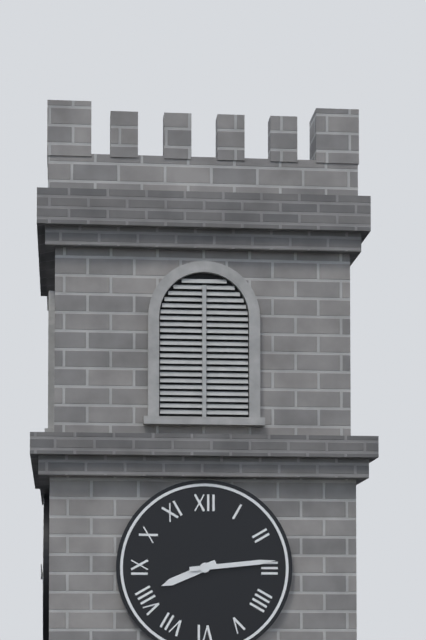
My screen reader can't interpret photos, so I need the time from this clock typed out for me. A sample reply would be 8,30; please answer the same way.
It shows 8,14
